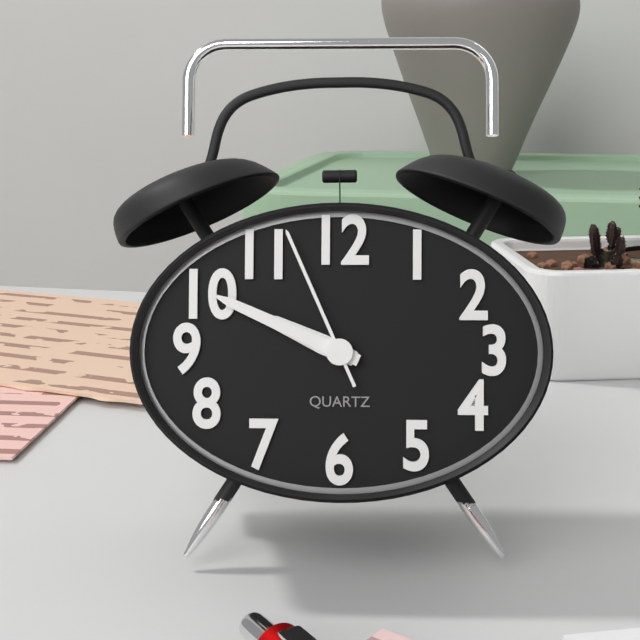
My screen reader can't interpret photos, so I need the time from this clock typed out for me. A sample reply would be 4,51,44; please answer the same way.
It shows 9,49,56
